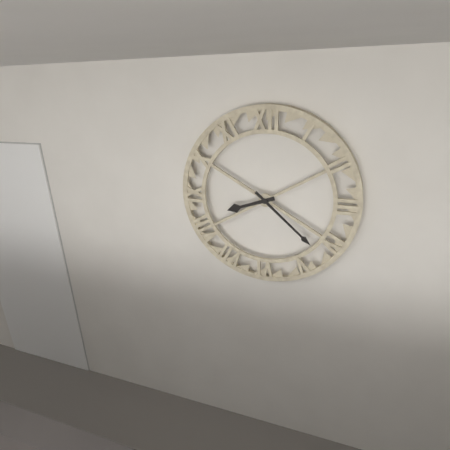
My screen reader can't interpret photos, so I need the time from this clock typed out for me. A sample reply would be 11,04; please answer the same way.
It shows 8,22
